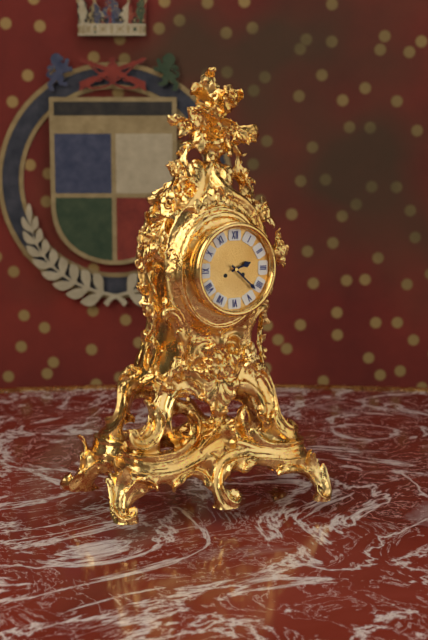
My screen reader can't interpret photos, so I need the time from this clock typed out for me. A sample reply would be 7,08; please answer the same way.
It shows 2,22
